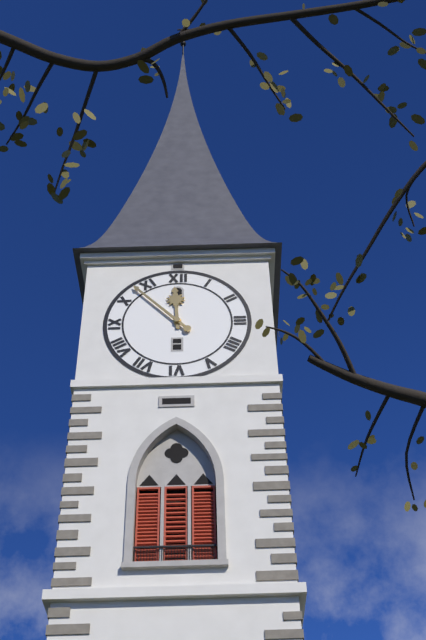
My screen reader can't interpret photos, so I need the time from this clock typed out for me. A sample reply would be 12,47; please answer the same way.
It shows 11,53
